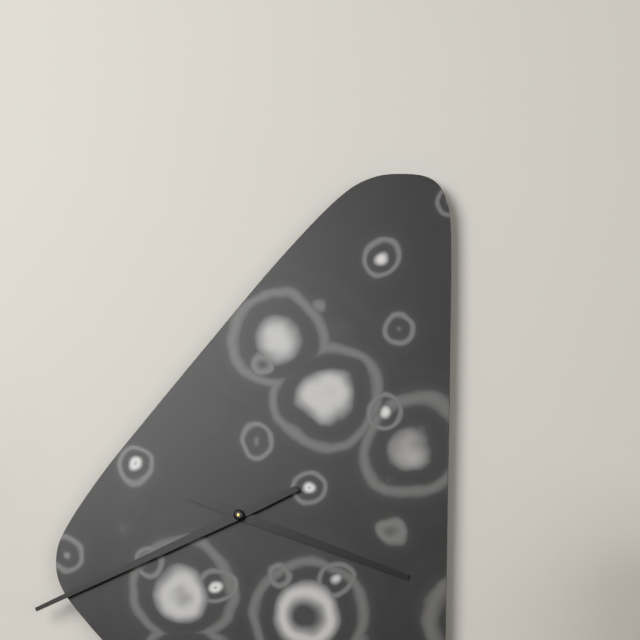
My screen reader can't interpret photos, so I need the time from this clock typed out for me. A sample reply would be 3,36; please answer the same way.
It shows 3,41
